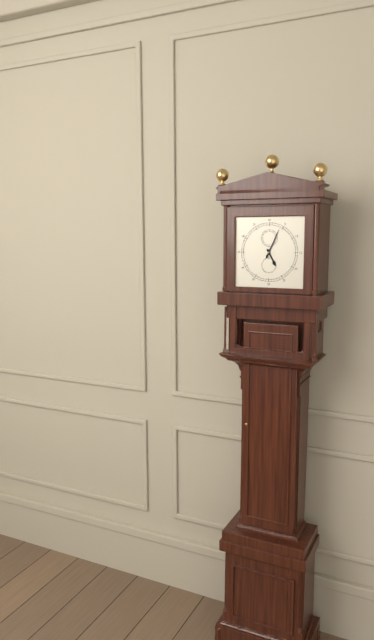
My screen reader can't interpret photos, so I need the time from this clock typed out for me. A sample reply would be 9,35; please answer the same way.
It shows 5,04
